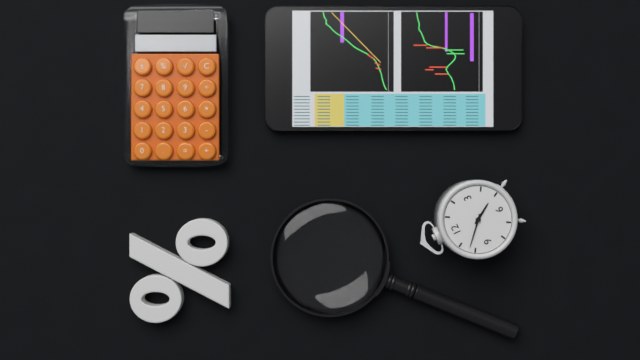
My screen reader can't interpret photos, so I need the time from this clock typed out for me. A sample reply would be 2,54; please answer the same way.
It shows 4,52
